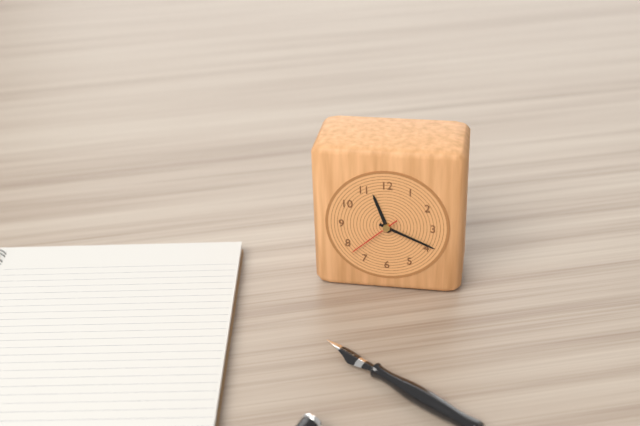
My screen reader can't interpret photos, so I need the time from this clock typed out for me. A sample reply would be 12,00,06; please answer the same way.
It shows 11,19,38
